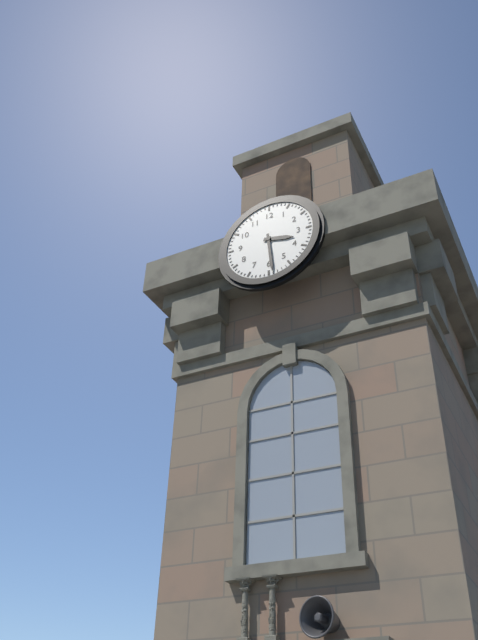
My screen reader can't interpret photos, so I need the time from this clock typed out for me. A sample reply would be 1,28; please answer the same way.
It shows 3,29
